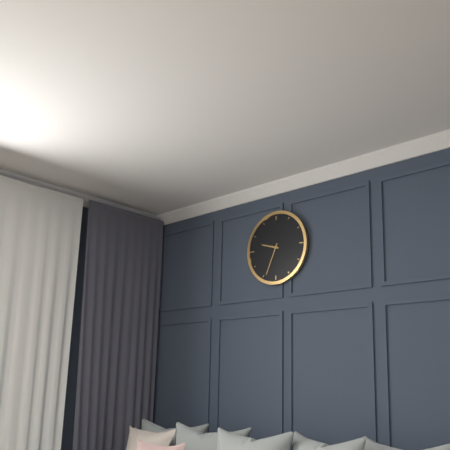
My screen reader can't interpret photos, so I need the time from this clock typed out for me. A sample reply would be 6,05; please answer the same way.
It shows 9,34
